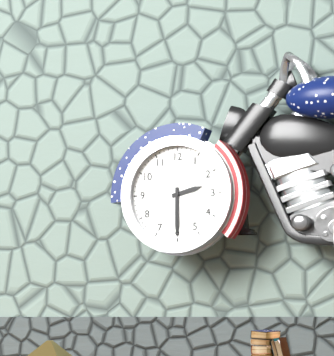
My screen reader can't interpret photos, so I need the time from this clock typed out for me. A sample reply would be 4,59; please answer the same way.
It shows 2,30
